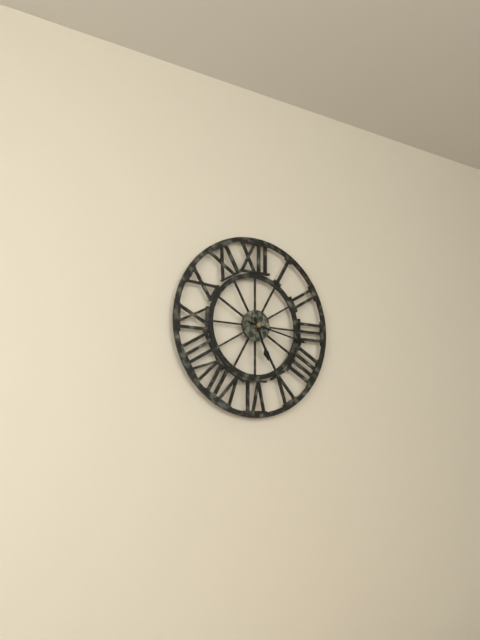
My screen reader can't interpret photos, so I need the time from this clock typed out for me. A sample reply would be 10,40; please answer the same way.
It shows 5,17
